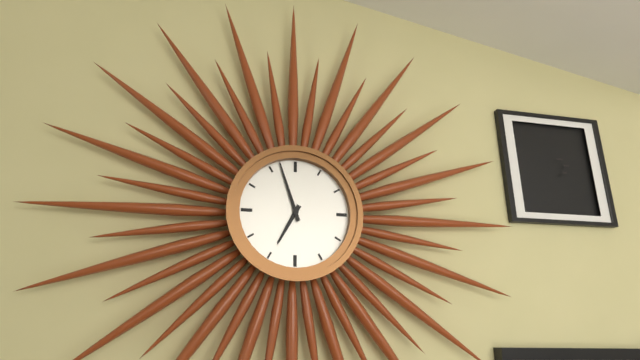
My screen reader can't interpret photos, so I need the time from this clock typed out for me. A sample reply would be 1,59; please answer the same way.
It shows 6,57
